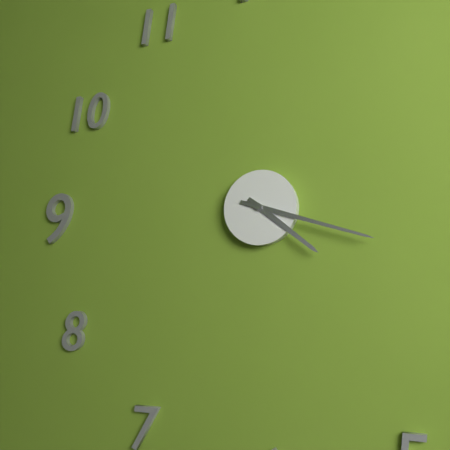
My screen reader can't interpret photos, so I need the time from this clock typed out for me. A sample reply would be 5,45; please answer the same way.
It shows 4,18
